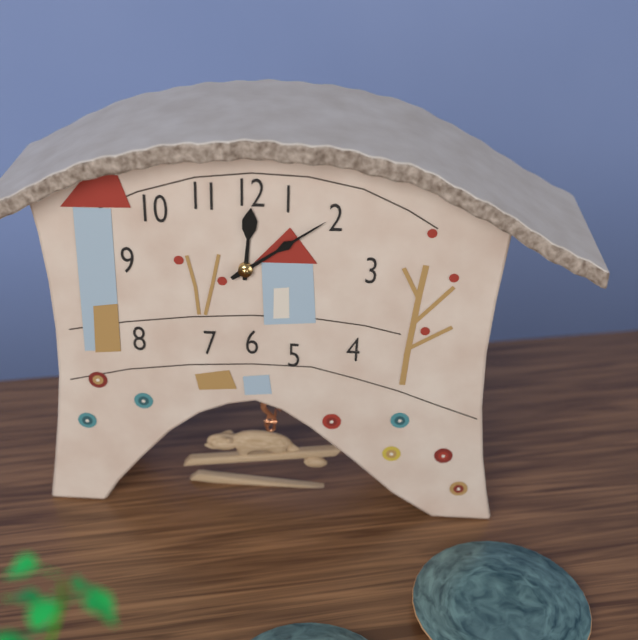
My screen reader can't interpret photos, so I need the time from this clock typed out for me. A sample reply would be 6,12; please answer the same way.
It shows 12,09
